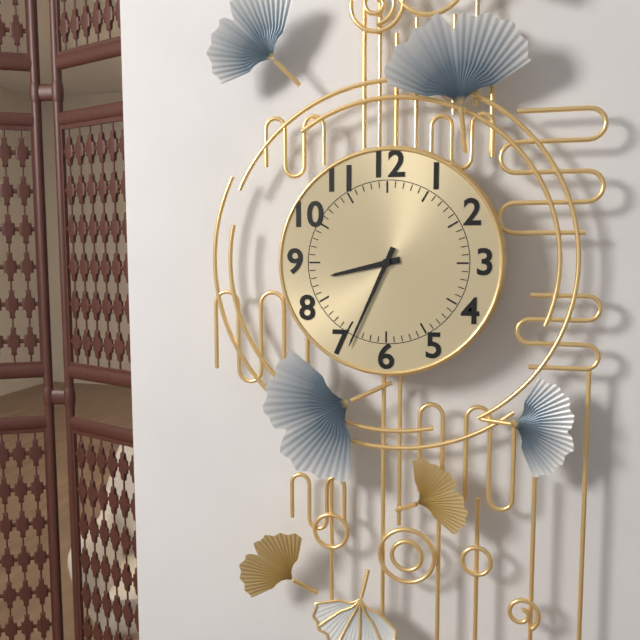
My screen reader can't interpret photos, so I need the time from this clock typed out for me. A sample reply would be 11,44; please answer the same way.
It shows 8,34
